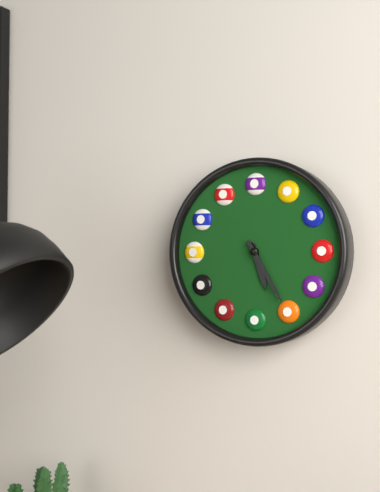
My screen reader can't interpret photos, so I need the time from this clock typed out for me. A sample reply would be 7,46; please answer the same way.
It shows 5,25
